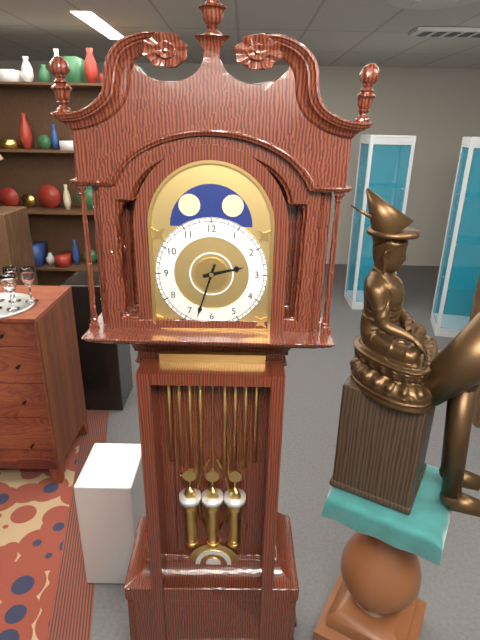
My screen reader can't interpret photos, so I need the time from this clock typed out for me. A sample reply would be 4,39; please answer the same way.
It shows 2,33
